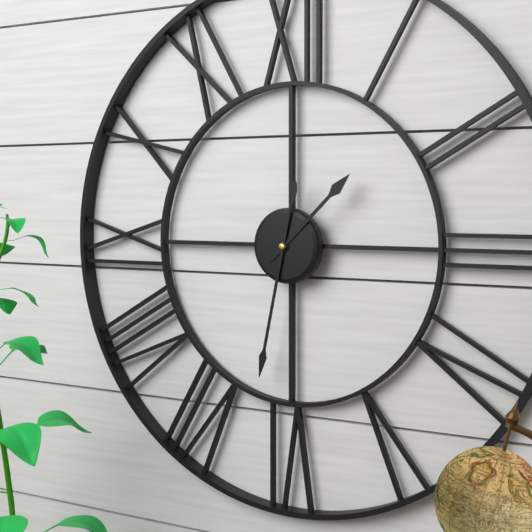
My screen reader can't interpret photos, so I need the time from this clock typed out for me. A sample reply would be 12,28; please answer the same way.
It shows 1,32
